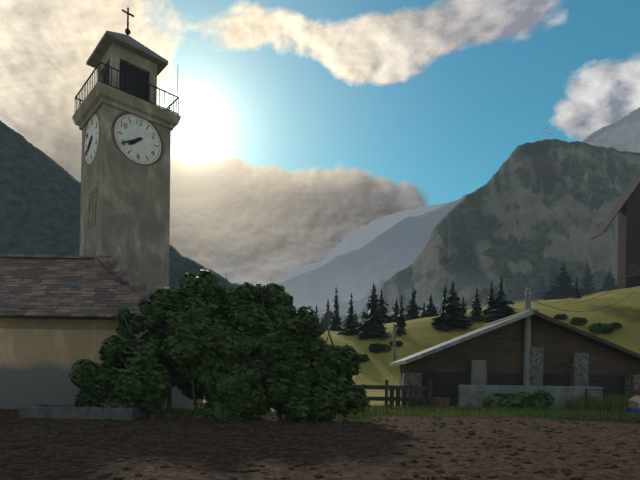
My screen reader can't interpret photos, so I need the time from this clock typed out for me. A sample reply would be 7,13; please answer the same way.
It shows 7,40
